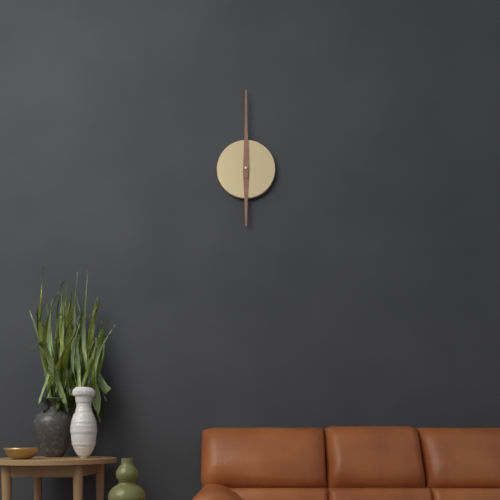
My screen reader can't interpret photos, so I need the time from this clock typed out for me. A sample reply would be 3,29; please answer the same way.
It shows 6,00
